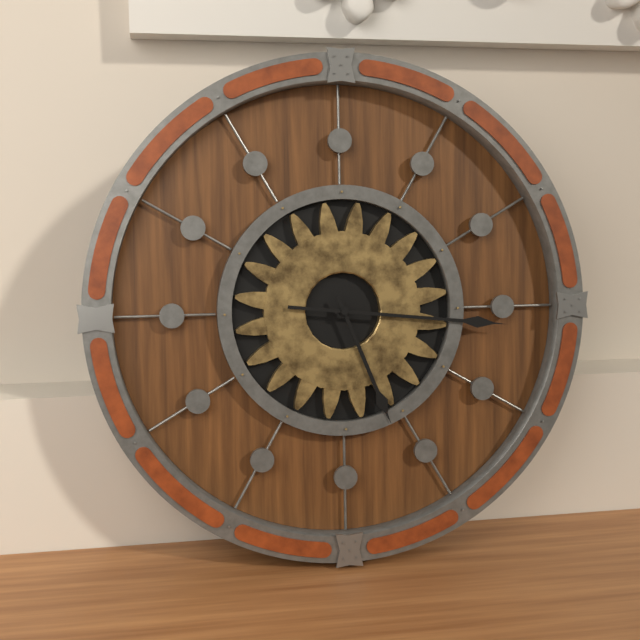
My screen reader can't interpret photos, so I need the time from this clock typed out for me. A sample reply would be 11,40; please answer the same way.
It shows 5,16
